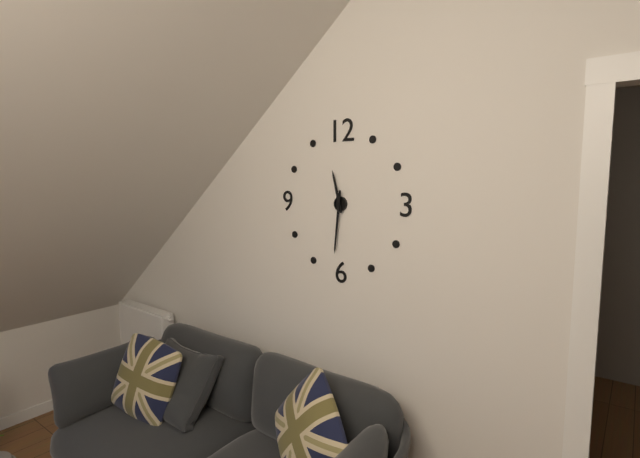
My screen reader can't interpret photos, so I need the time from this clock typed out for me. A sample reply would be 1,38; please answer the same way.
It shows 11,31
